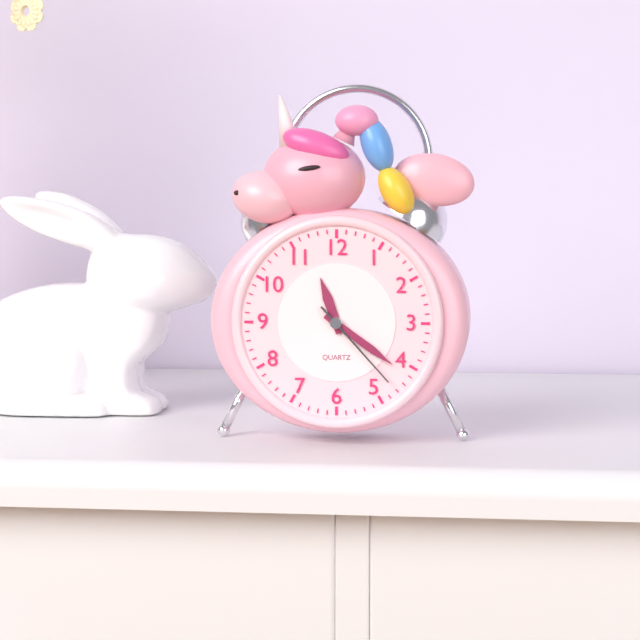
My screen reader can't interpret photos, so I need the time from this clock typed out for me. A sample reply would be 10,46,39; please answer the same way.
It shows 11,21,23
